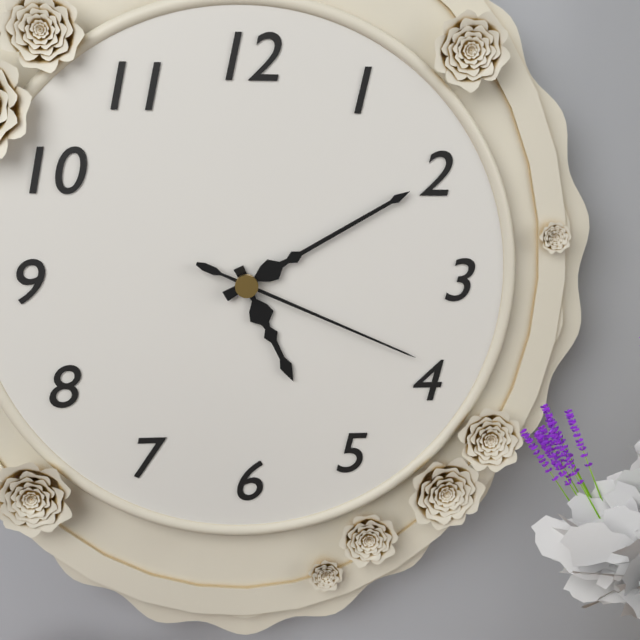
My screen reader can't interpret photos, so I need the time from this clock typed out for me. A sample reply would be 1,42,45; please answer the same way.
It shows 5,10,19
